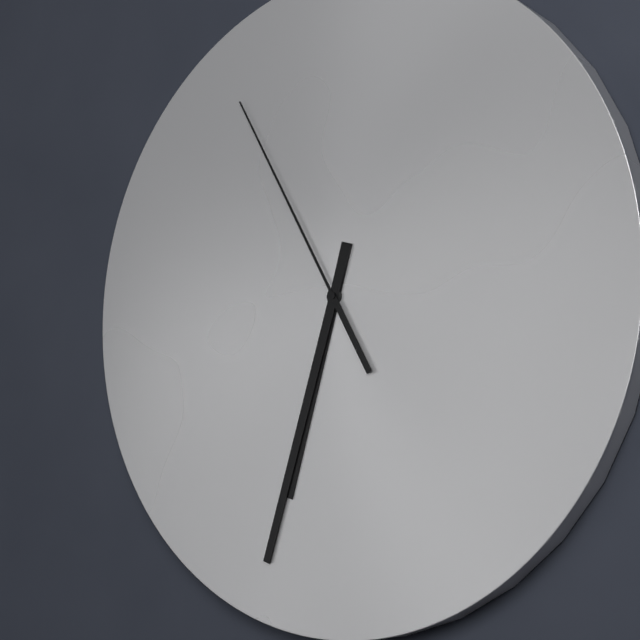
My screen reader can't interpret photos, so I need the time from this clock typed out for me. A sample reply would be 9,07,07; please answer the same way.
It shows 6,33,55
